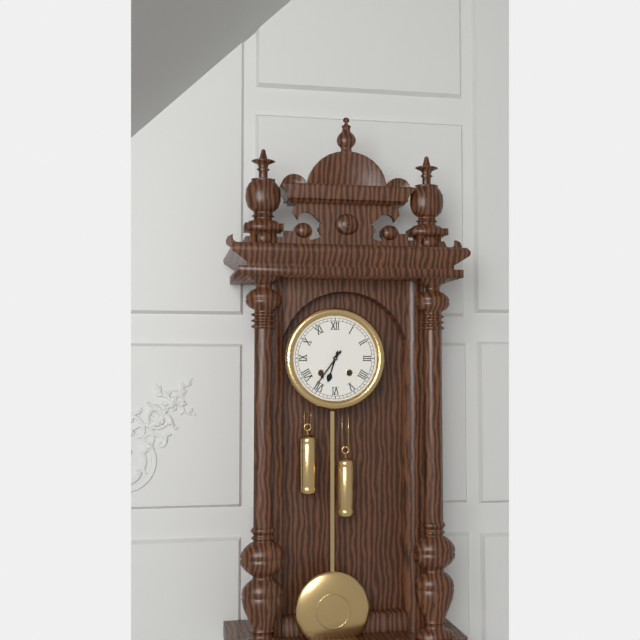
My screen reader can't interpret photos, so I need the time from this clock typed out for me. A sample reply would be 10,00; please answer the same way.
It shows 6,36
